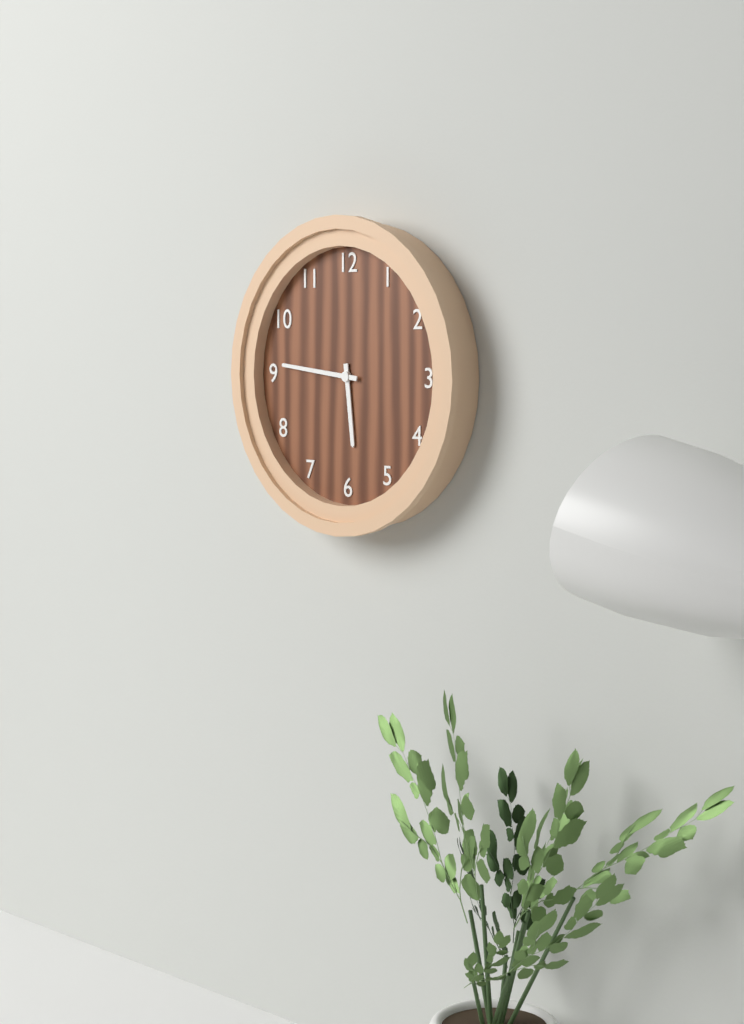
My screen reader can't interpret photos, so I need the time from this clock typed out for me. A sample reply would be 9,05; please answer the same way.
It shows 5,46
